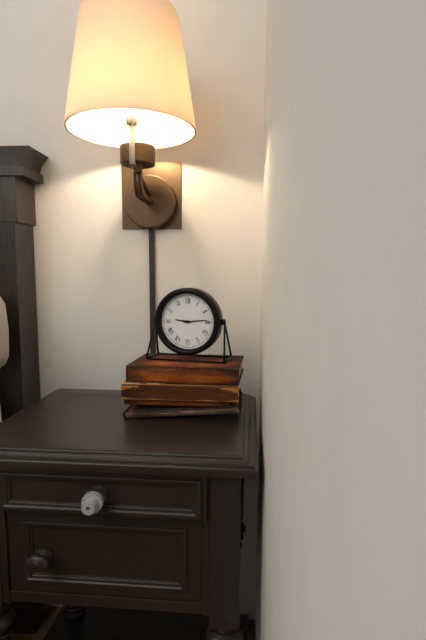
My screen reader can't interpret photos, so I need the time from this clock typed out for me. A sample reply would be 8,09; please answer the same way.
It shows 9,14
